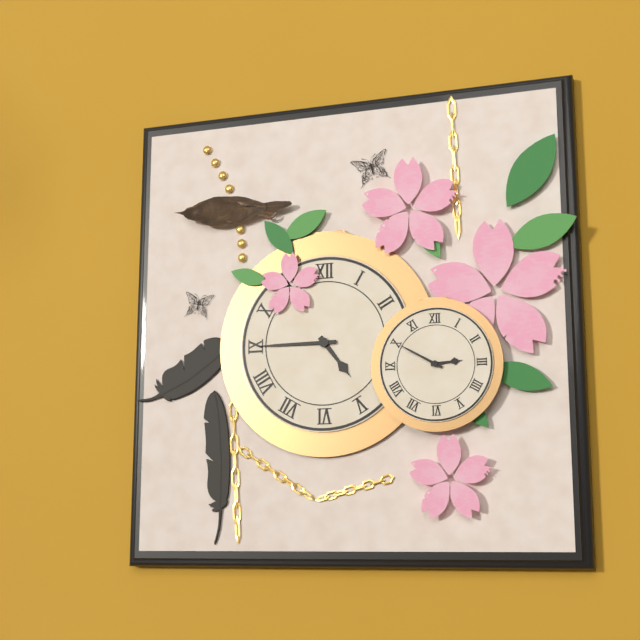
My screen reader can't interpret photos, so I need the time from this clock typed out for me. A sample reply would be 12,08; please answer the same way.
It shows 4,45
